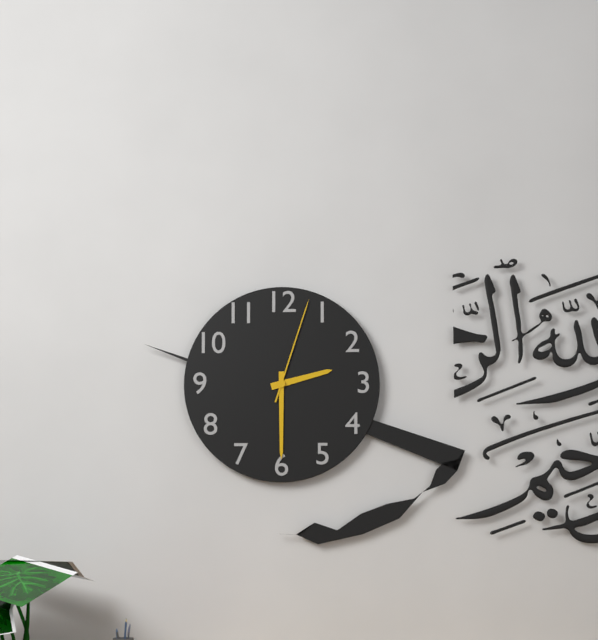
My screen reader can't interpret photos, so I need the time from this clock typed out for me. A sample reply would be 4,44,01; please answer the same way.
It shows 2,30,03
